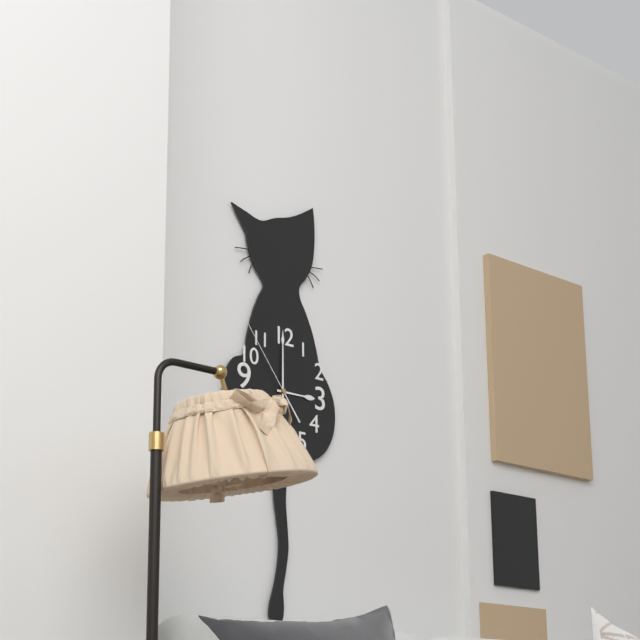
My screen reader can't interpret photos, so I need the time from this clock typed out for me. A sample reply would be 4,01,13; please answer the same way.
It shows 3,00,54
